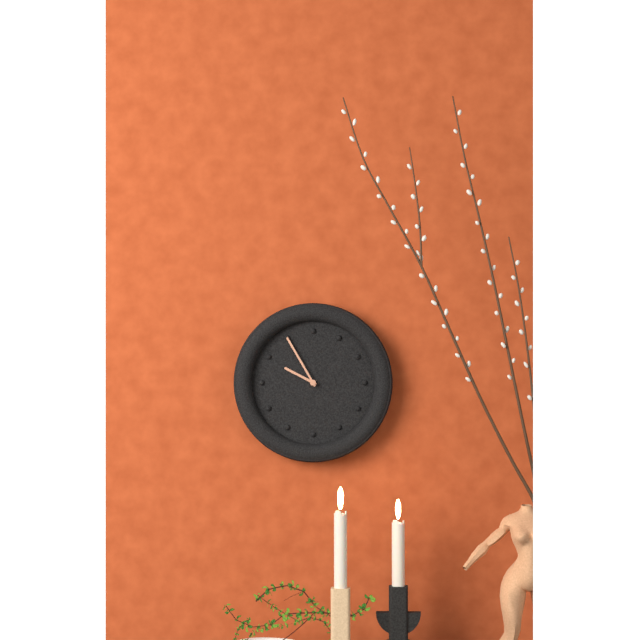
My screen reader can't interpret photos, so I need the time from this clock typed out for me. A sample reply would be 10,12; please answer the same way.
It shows 9,55
